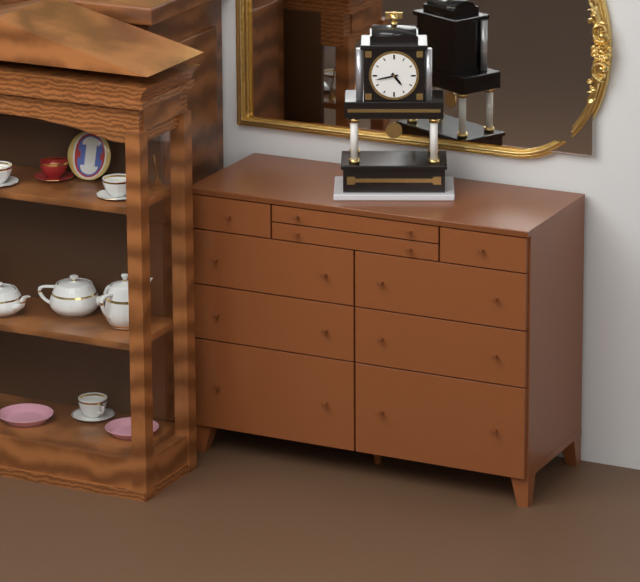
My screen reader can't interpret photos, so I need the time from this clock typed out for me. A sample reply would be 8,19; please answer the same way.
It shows 4,43
